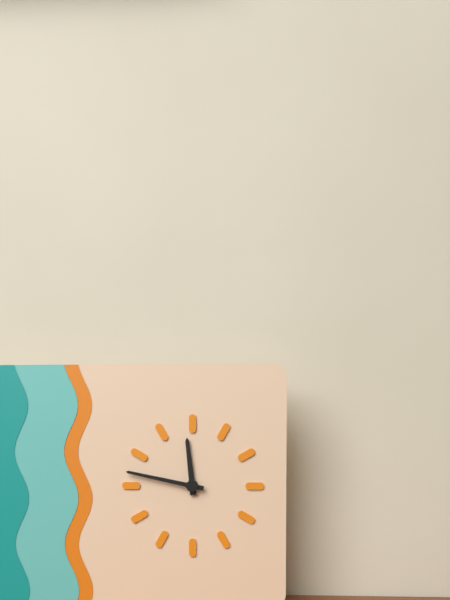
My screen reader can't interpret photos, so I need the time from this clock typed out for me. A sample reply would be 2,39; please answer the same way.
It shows 11,47
